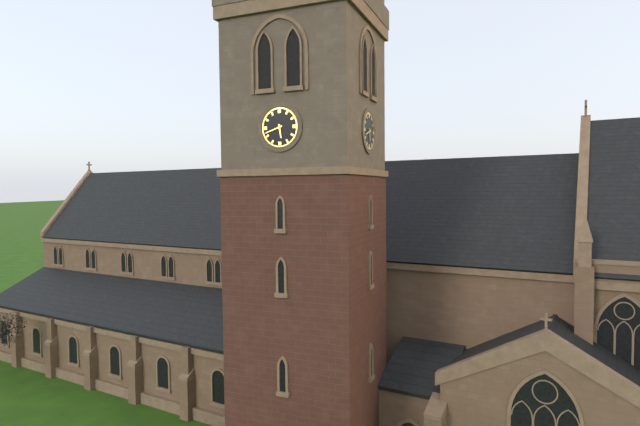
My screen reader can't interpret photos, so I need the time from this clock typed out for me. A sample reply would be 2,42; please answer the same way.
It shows 5,42
